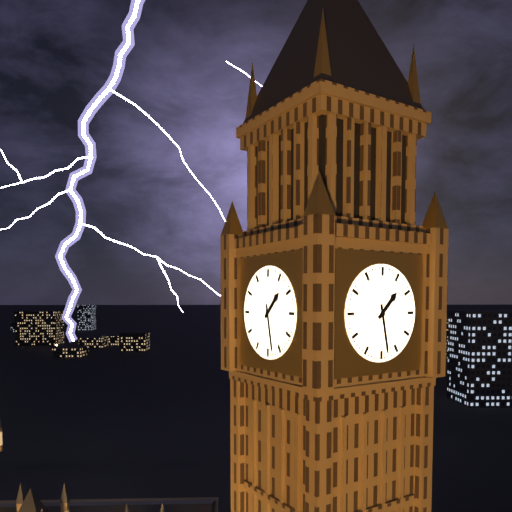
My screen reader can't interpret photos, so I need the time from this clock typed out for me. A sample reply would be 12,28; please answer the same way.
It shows 1,28
